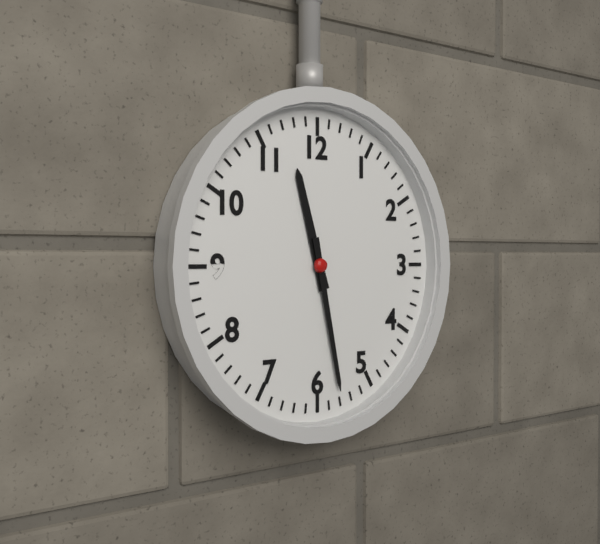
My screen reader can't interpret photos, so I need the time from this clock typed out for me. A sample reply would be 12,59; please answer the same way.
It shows 11,28
